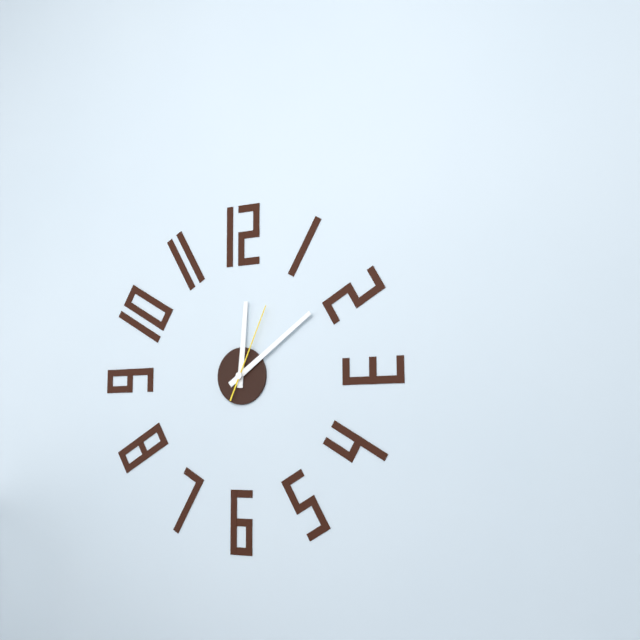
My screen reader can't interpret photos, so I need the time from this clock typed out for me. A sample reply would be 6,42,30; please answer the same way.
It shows 12,09,04
